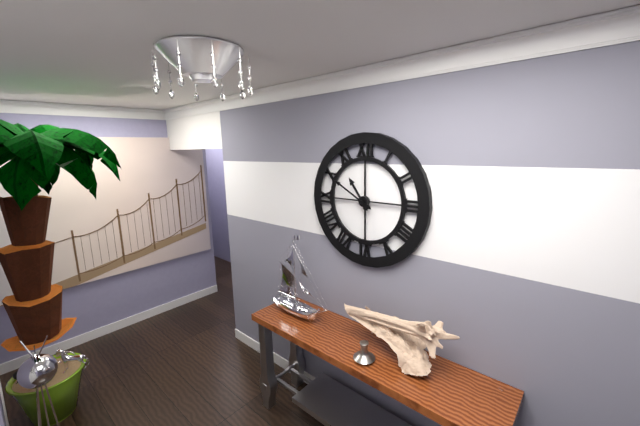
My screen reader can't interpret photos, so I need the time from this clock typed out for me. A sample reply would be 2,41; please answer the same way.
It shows 10,50
